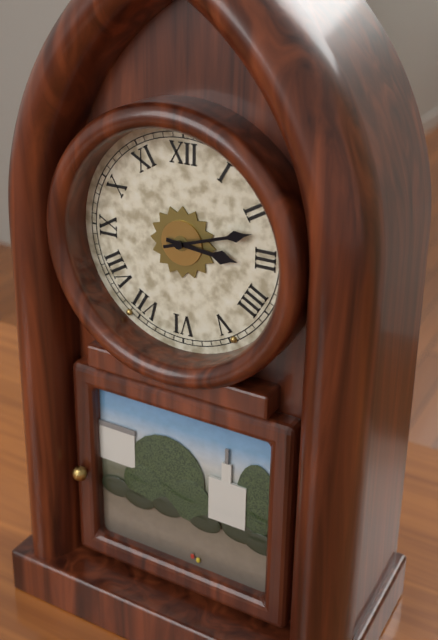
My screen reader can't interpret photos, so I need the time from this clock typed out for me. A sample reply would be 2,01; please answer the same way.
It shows 3,12
